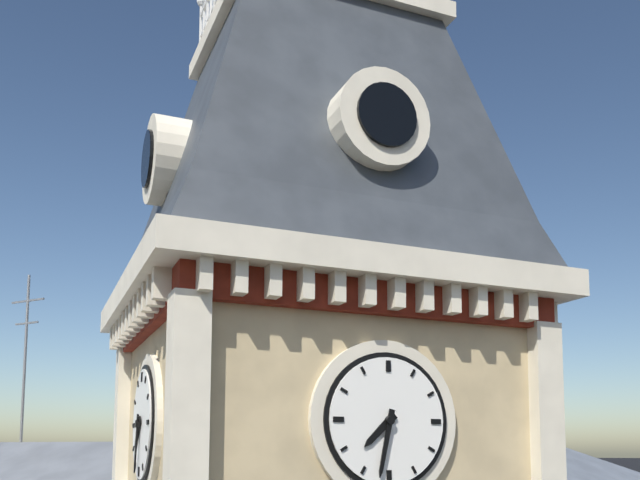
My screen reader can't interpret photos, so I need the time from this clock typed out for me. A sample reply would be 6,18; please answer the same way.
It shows 7,32
